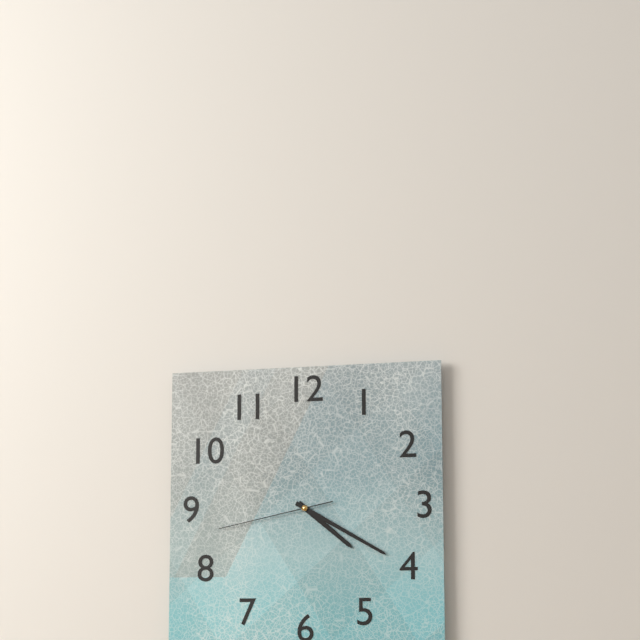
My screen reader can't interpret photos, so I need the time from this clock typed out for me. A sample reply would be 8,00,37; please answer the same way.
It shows 4,20,43
